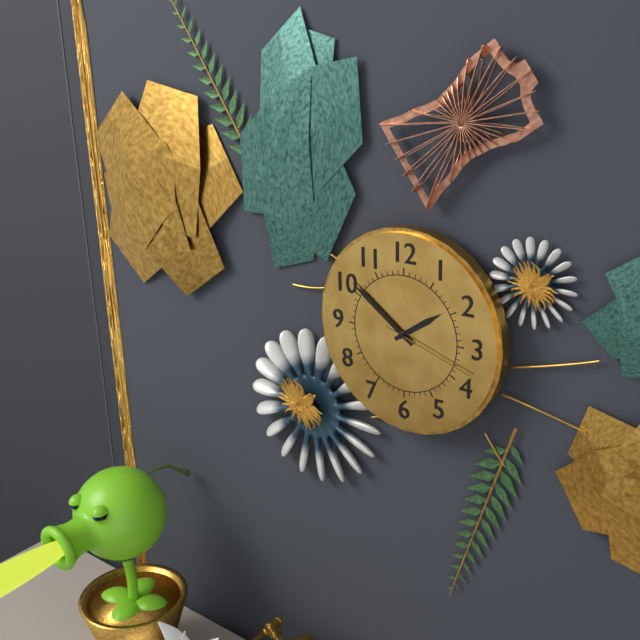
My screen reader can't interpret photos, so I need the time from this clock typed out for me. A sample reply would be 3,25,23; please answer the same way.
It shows 1,51,18
